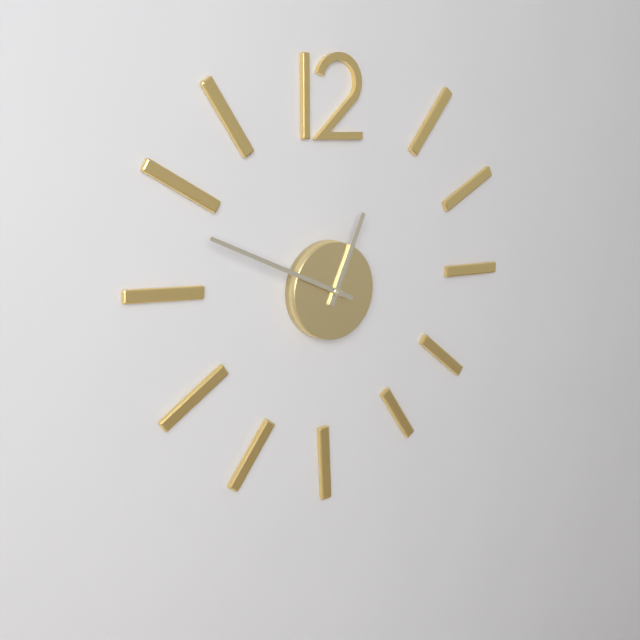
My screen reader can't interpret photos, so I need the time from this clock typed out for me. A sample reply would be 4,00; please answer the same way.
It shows 12,49
